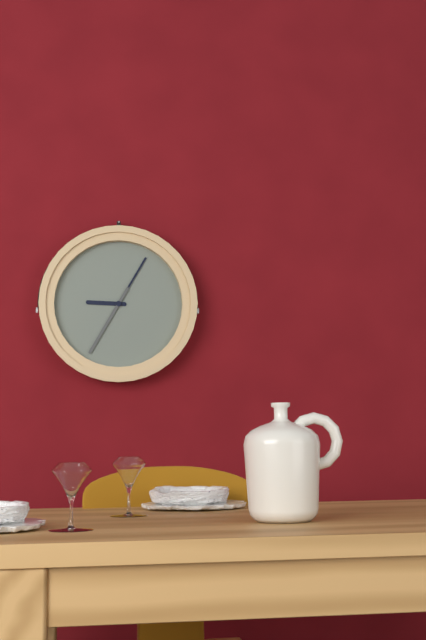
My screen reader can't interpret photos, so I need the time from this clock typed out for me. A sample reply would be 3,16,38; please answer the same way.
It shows 9,05,35
